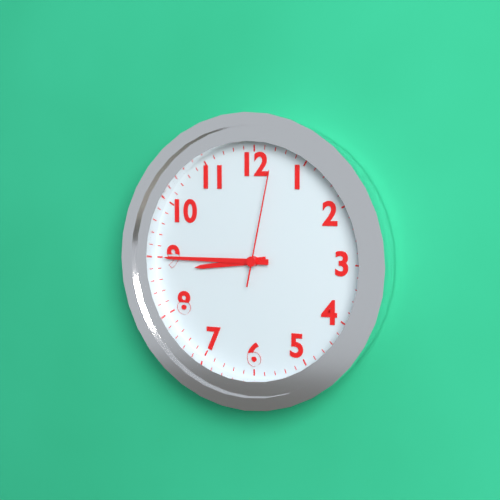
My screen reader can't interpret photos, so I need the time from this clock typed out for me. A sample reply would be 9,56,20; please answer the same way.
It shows 8,45,02
